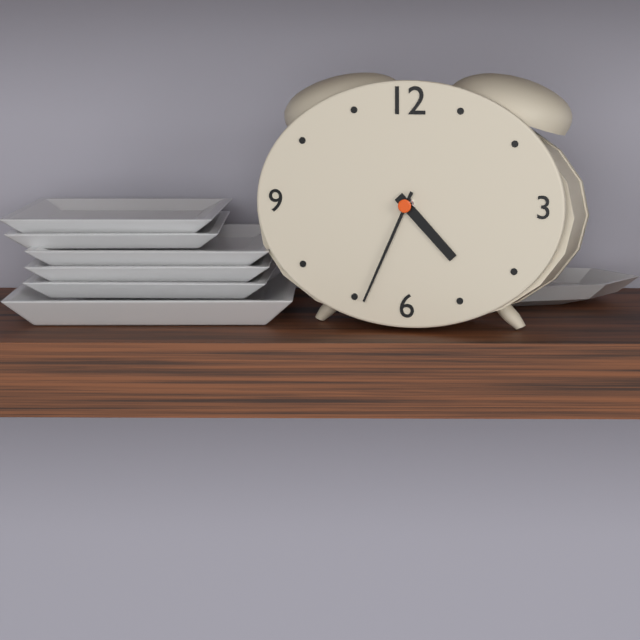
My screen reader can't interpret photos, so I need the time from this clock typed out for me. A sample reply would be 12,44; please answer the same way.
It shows 4,34
